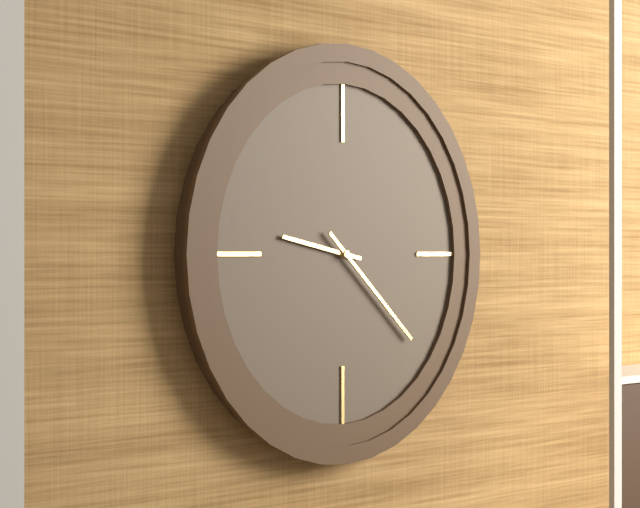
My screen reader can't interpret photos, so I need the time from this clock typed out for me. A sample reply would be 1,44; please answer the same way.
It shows 9,22
